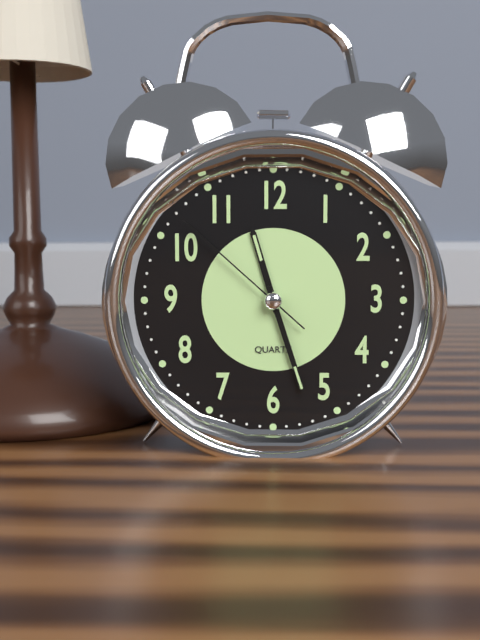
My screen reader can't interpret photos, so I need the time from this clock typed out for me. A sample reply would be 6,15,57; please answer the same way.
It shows 11,27,52
